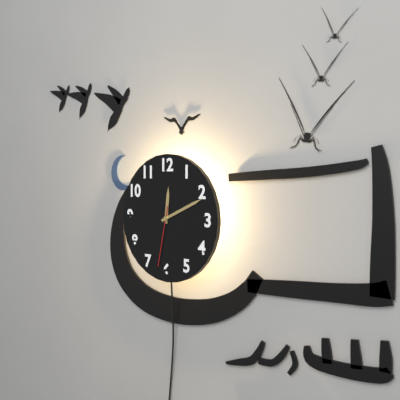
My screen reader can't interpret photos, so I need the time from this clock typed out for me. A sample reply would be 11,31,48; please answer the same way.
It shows 12,11,32
